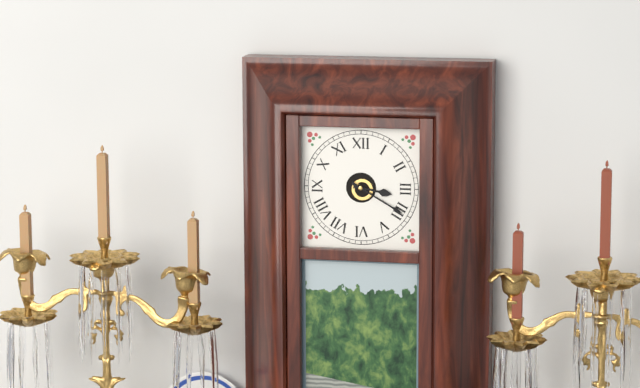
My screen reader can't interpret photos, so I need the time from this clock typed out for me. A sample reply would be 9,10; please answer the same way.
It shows 3,20
